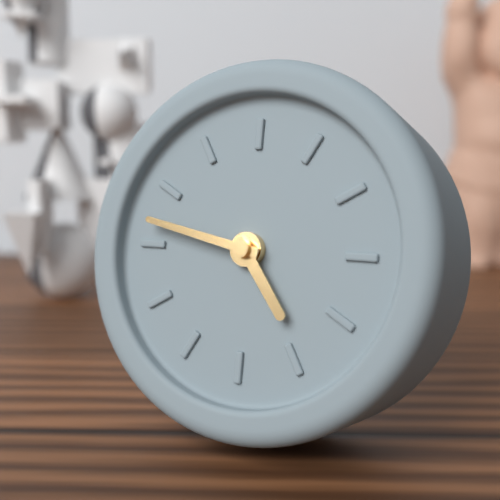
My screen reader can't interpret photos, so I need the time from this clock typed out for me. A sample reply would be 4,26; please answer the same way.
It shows 4,47
